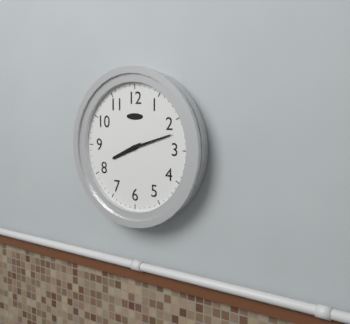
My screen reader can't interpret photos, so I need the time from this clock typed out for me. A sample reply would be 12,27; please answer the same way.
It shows 8,12
